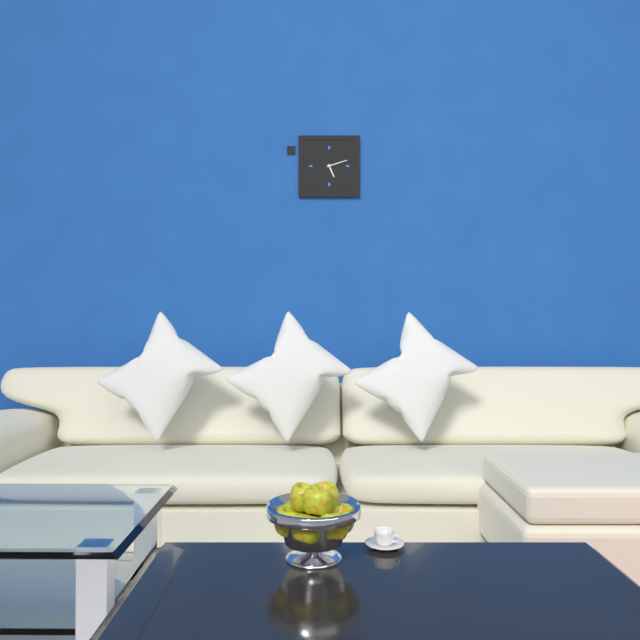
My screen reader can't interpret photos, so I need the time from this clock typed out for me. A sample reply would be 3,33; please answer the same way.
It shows 5,12
